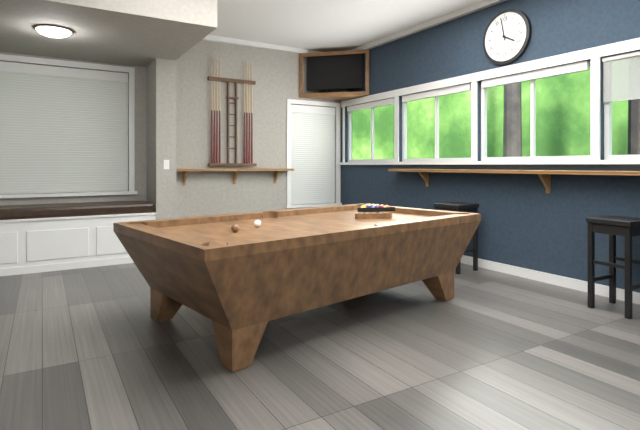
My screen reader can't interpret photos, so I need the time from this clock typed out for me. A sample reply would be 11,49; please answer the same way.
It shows 3,58
